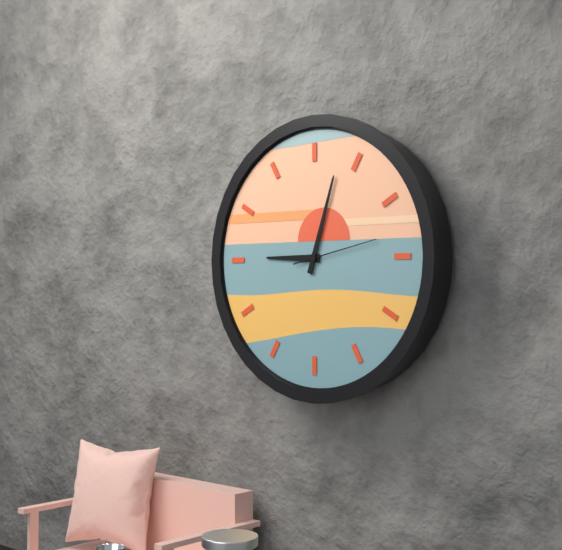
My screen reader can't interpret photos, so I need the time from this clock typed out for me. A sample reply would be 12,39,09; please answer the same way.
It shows 9,03,13
